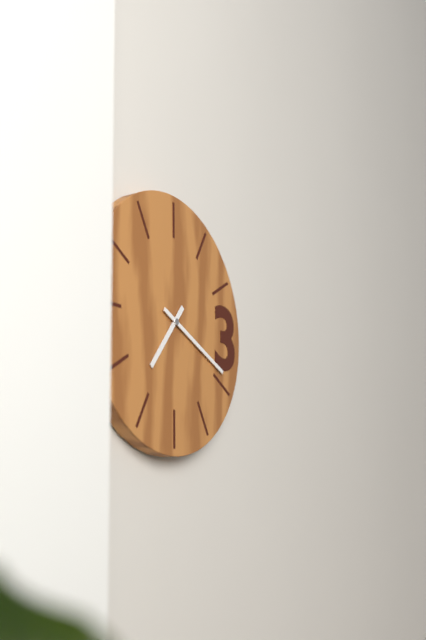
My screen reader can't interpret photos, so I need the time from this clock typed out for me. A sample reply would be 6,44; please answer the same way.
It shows 7,19
